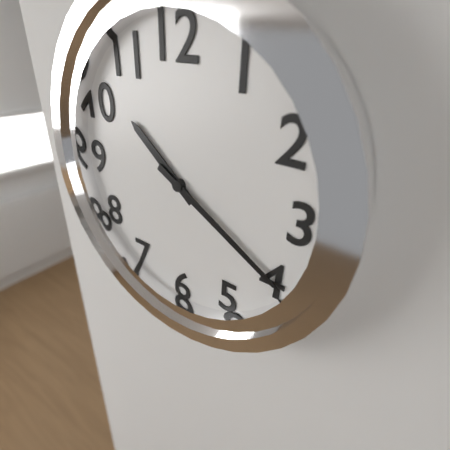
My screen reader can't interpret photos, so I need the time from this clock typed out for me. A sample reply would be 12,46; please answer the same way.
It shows 10,20
